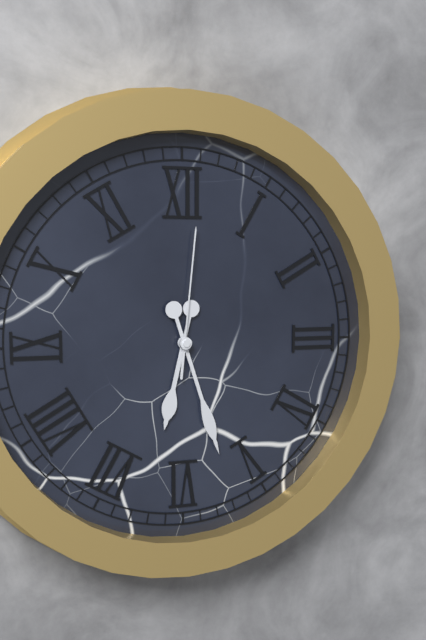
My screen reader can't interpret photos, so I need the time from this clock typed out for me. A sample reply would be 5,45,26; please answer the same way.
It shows 6,27,01
